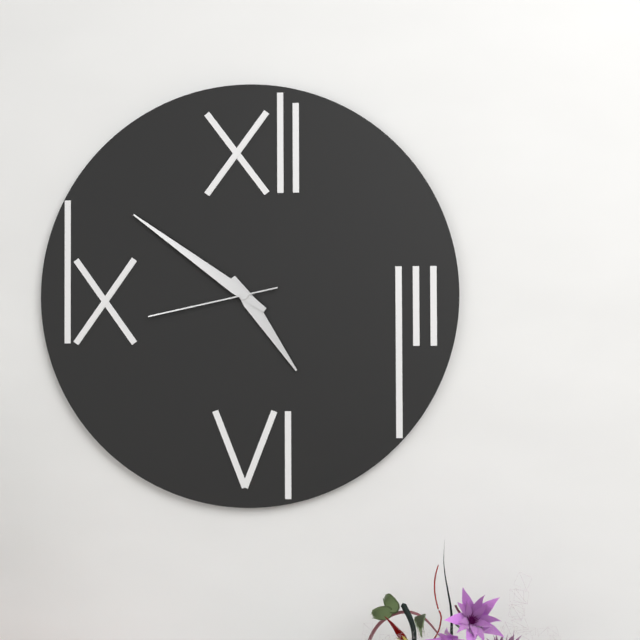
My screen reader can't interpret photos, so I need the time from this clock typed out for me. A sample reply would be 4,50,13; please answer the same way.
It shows 4,51,43
